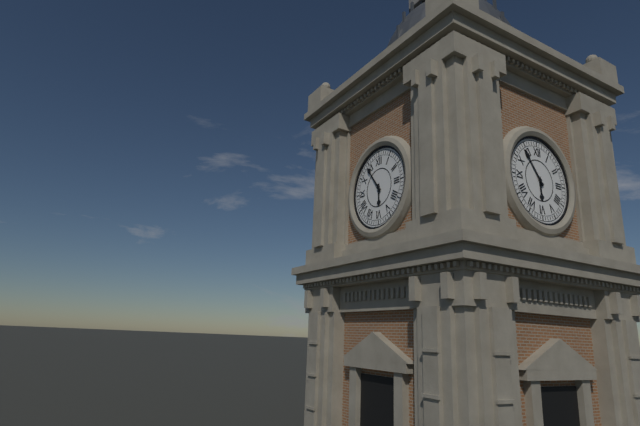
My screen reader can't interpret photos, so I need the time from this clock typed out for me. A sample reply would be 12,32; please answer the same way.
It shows 5,54
